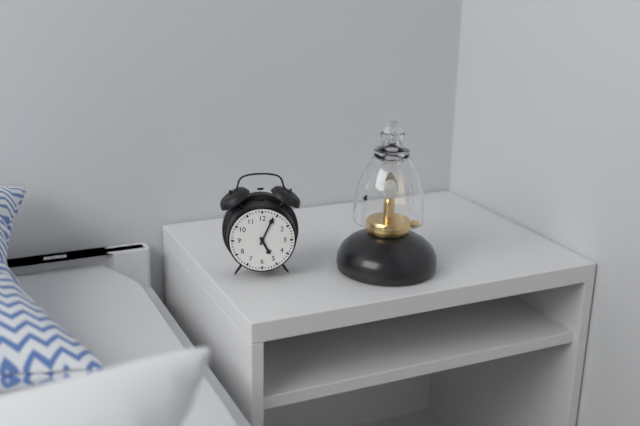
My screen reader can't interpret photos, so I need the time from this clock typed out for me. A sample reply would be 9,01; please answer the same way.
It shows 5,04
